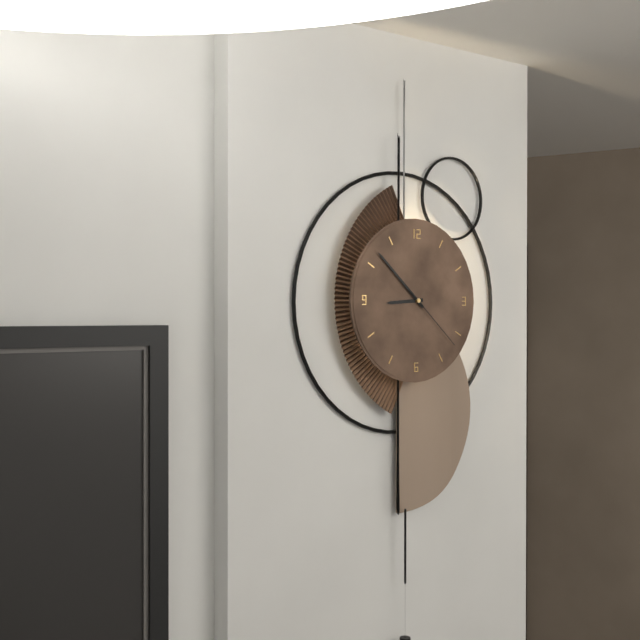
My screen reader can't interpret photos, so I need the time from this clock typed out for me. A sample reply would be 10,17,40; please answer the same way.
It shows 8,52,22
